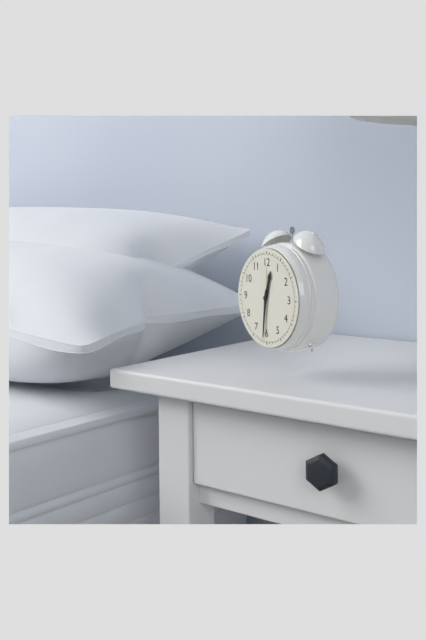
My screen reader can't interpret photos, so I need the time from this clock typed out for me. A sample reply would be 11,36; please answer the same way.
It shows 12,31
